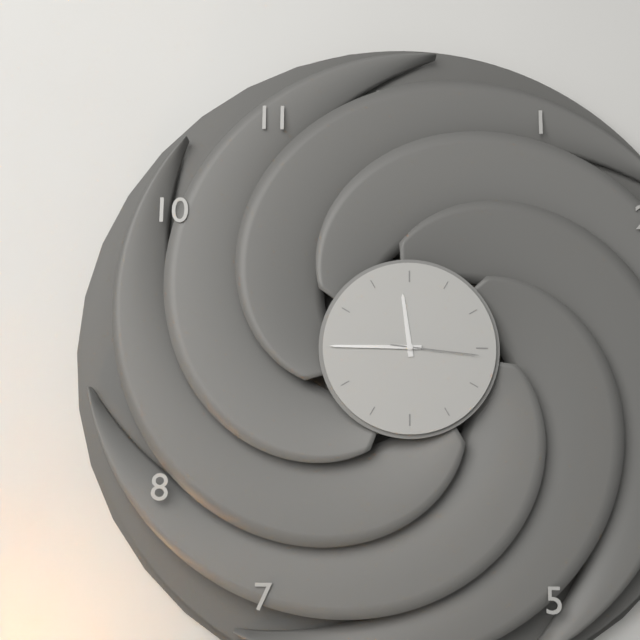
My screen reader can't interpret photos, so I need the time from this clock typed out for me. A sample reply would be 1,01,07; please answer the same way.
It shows 11,45,16
